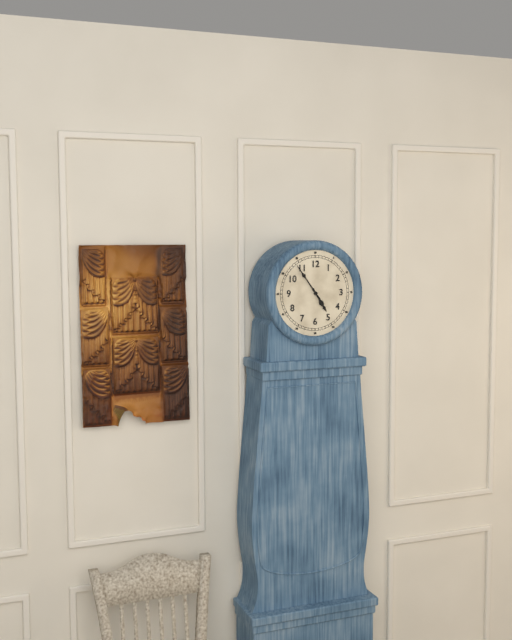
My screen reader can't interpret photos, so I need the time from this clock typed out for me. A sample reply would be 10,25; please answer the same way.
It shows 4,54
